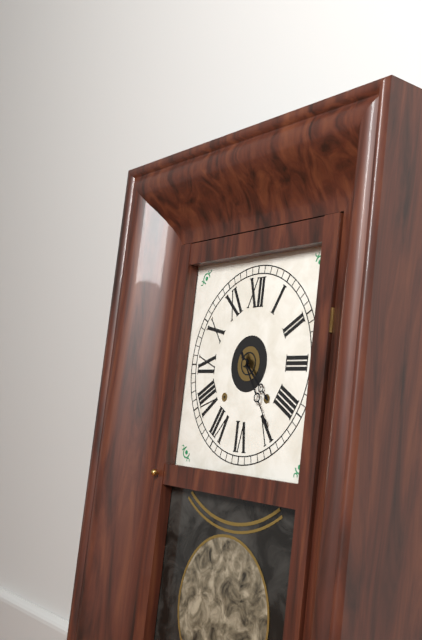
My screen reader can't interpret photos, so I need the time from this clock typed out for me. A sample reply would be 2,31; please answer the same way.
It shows 4,24
